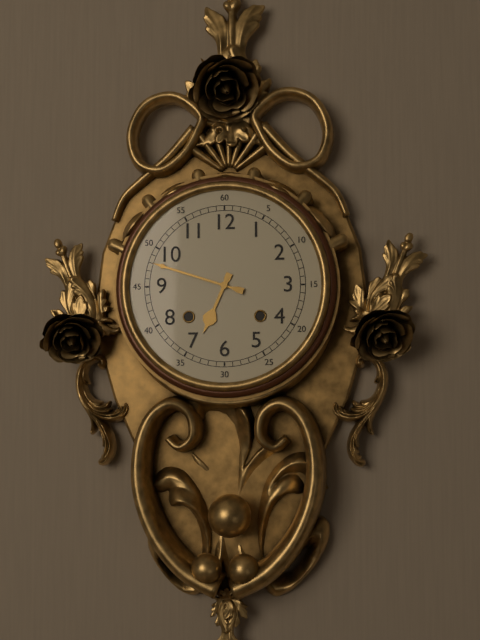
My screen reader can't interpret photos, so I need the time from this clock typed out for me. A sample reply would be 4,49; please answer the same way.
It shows 6,48
